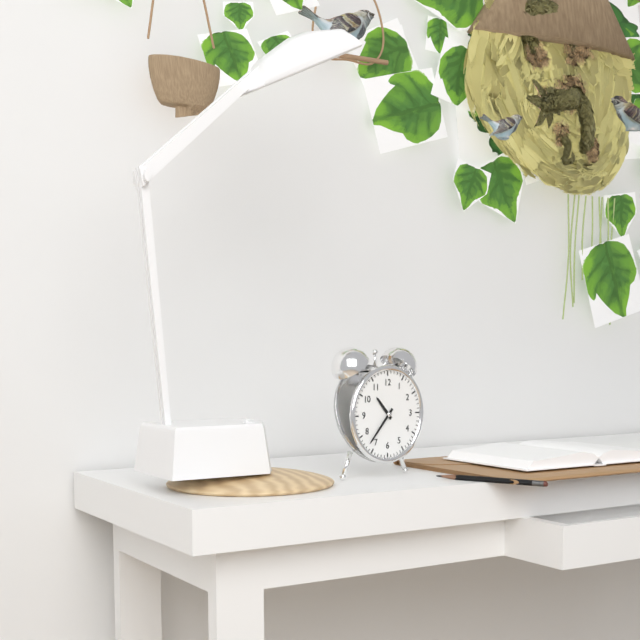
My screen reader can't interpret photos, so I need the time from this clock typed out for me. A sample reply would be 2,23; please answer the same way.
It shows 10,37
